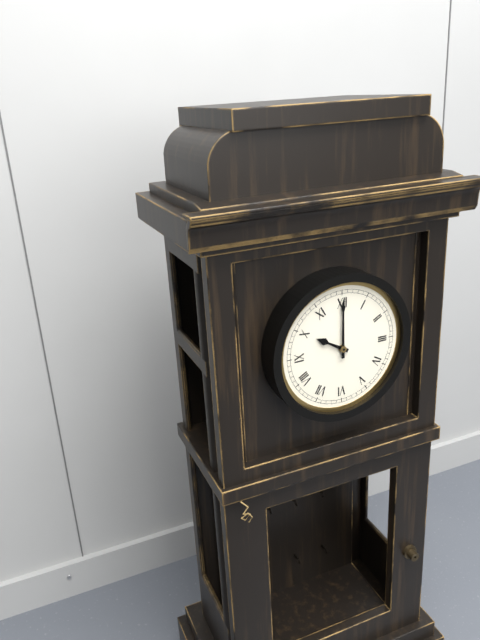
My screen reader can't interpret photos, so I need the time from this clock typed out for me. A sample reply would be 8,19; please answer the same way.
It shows 10,00
